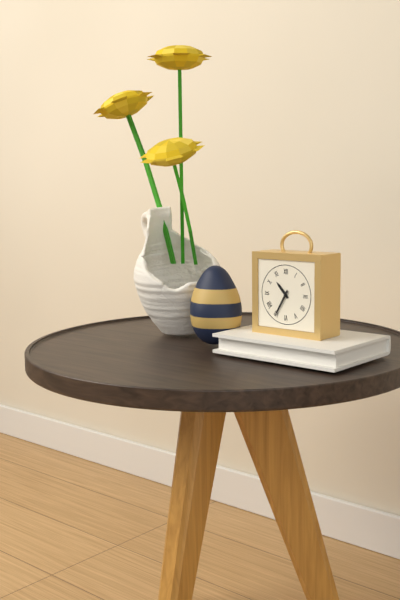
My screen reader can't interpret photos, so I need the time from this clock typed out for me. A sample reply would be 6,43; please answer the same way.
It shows 10,35
